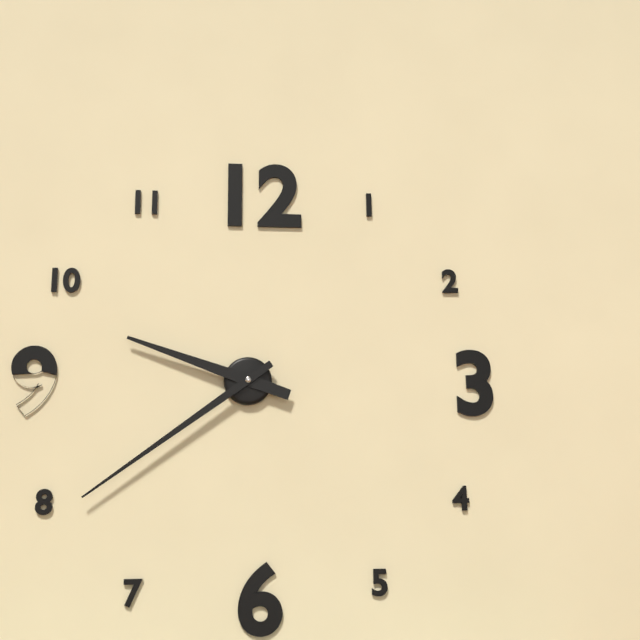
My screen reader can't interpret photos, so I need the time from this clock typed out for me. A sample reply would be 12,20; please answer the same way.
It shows 9,39
